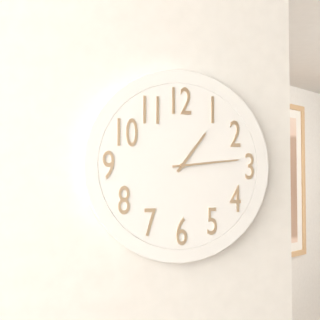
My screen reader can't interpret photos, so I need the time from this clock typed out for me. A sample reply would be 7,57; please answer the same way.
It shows 1,14
